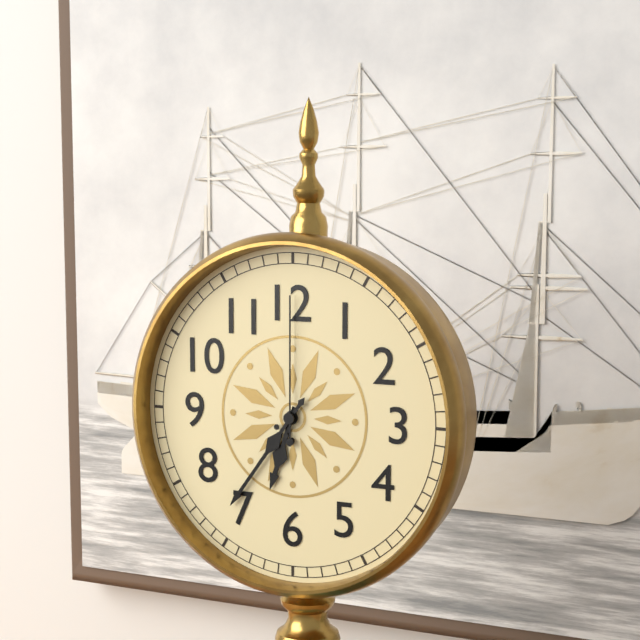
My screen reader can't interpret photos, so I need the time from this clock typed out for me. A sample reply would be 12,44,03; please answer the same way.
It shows 6,36,00
